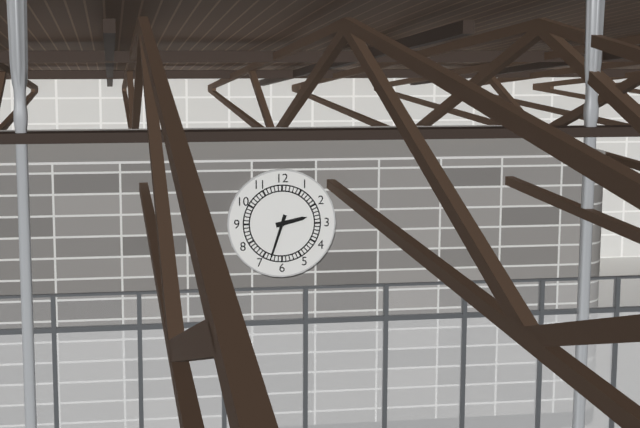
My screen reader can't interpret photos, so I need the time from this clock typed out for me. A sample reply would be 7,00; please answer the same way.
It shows 2,33
